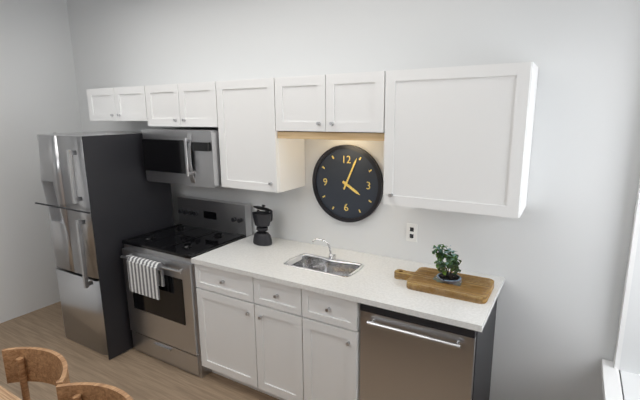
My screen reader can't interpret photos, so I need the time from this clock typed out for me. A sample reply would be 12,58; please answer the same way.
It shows 4,04
